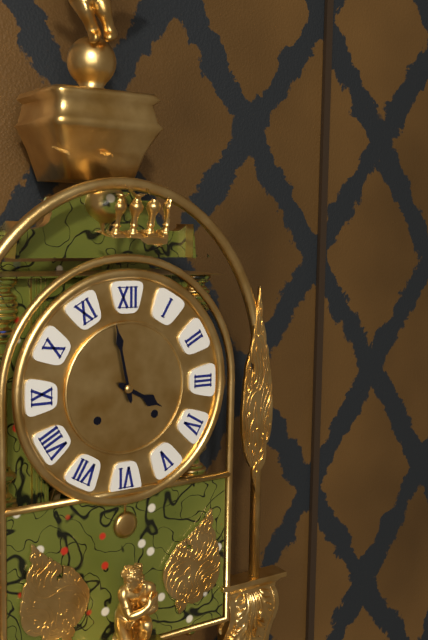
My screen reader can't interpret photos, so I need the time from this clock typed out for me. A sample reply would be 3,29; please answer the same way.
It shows 3,58
